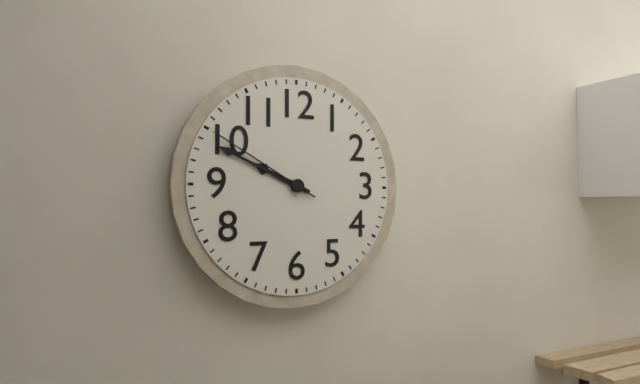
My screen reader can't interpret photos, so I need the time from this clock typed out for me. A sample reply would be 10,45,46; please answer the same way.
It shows 9,49,50
